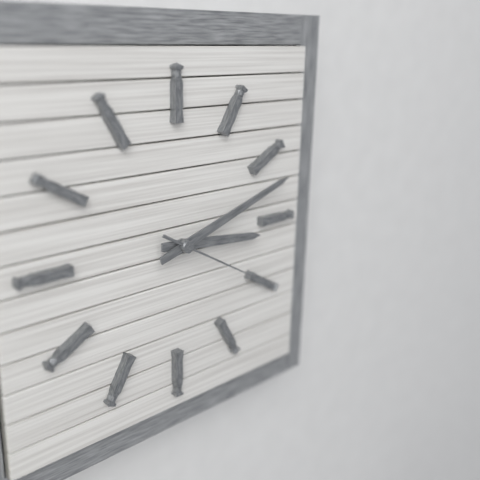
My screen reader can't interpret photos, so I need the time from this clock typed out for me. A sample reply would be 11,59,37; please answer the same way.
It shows 3,12,20
